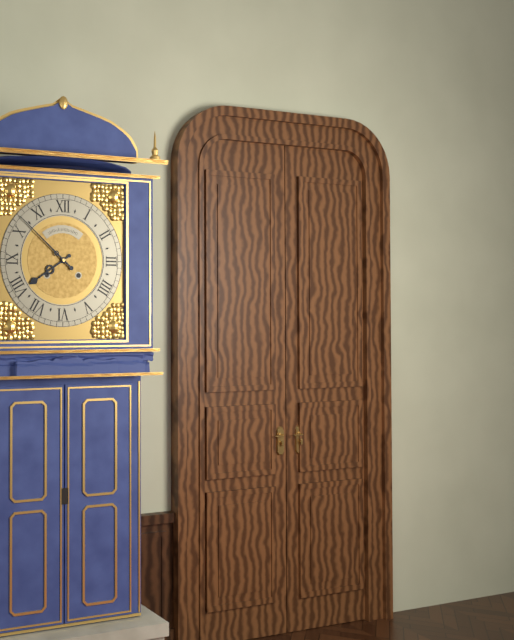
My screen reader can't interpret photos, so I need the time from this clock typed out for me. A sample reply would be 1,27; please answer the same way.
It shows 7,52
